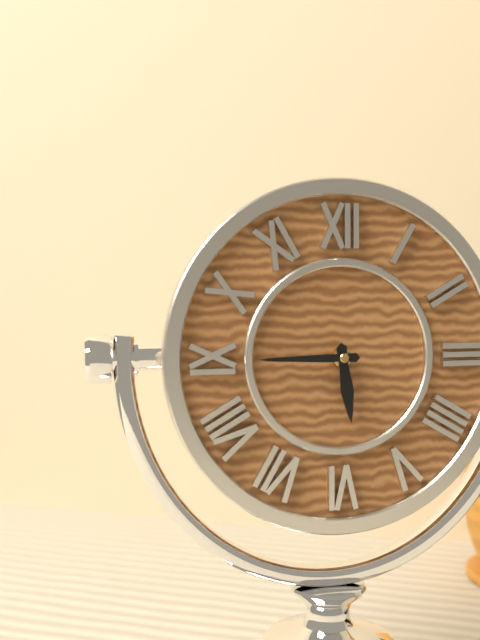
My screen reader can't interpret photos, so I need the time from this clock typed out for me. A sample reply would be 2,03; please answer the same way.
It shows 5,45
